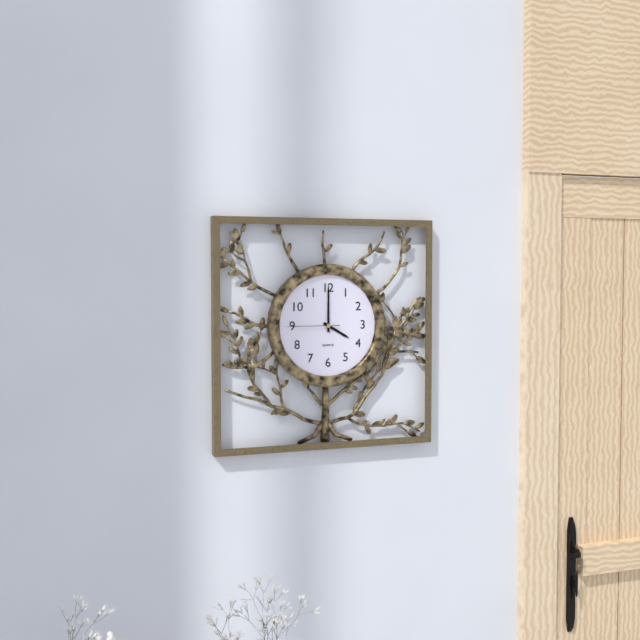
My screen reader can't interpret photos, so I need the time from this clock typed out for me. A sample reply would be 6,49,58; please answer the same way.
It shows 4,00,45
